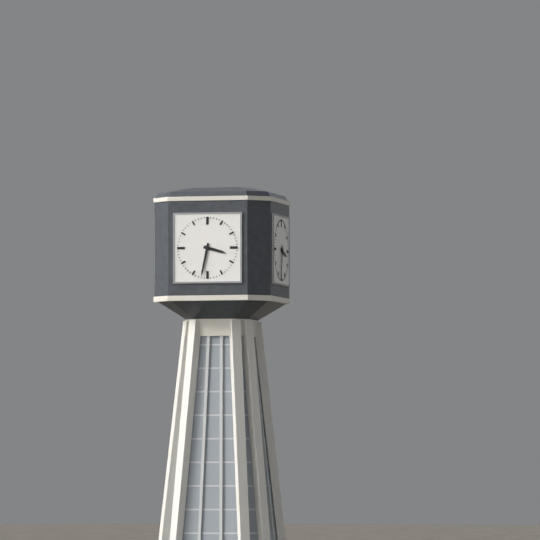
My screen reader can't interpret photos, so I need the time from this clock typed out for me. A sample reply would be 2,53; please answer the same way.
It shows 3,32
